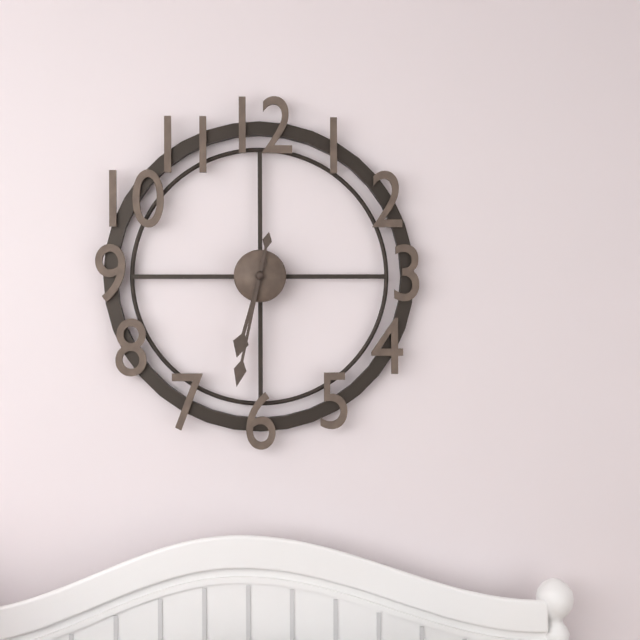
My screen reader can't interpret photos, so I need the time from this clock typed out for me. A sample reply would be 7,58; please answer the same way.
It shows 6,32
